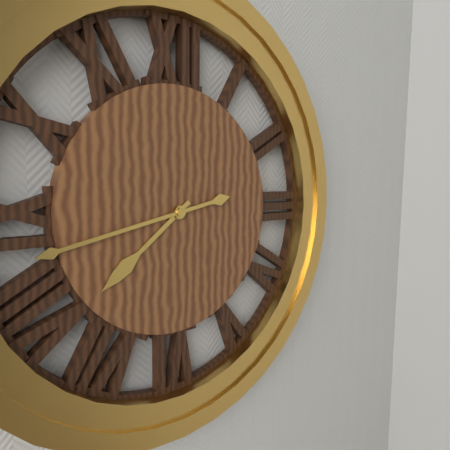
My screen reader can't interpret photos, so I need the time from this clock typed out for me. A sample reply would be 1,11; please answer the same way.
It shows 7,43
